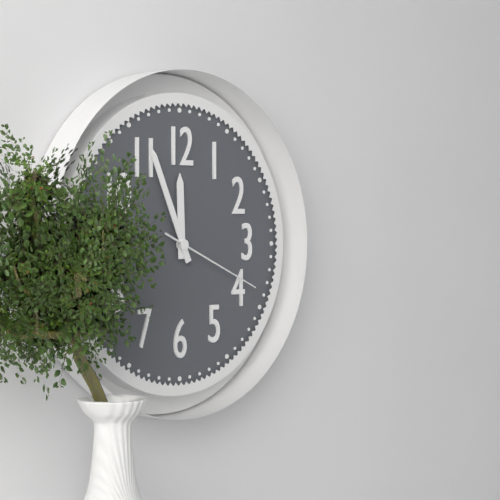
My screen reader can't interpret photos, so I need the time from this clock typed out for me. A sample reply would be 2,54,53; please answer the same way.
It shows 11,56,19
